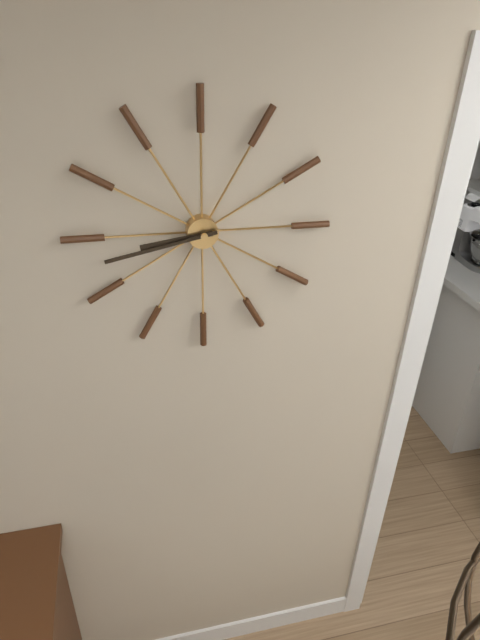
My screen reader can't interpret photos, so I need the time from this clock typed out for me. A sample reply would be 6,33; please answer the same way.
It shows 8,43
